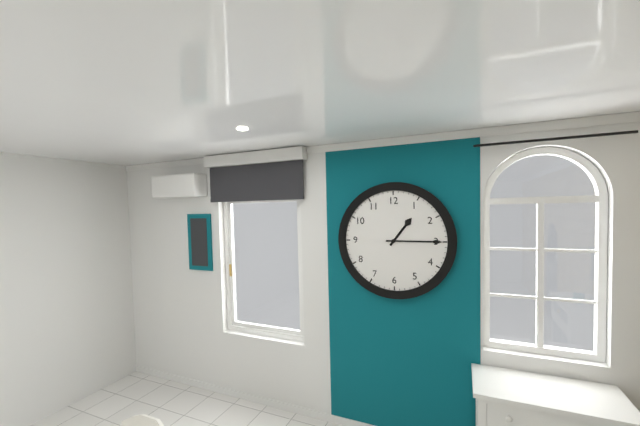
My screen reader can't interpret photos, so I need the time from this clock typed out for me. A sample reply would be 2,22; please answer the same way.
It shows 1,15
